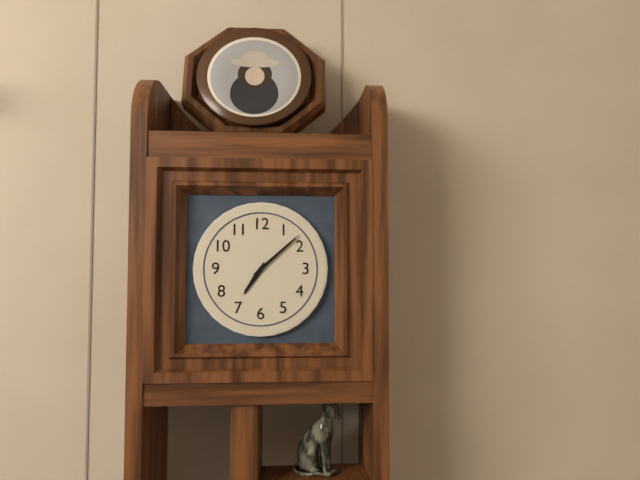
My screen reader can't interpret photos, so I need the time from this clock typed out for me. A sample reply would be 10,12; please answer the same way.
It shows 7,08
